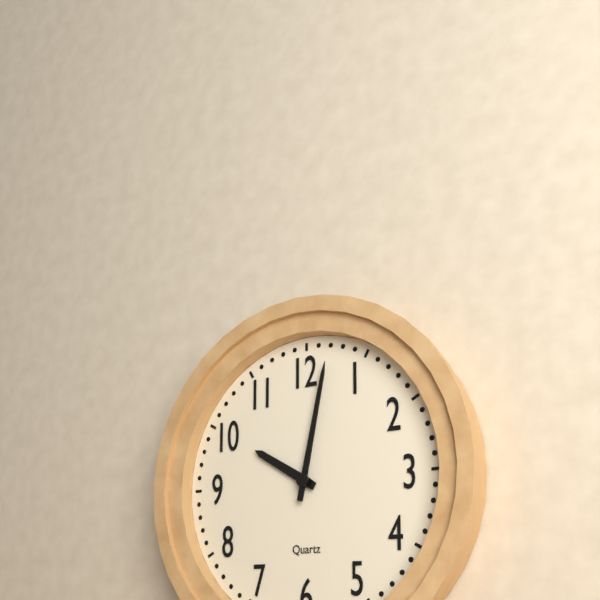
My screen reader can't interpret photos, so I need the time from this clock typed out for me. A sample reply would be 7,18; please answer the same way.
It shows 10,02
